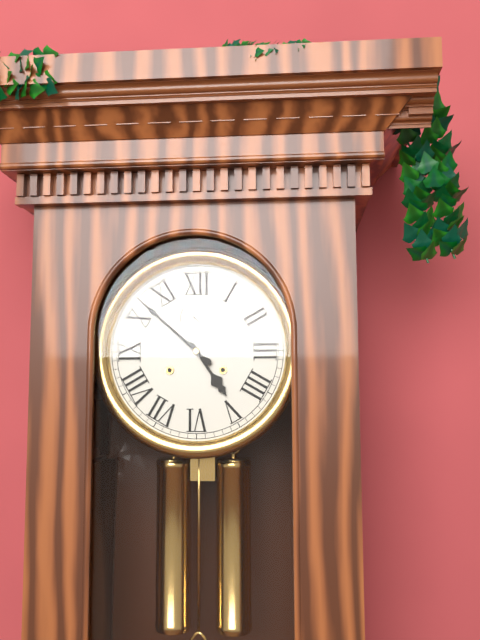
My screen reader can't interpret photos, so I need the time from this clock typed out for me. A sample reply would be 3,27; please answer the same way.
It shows 4,52
